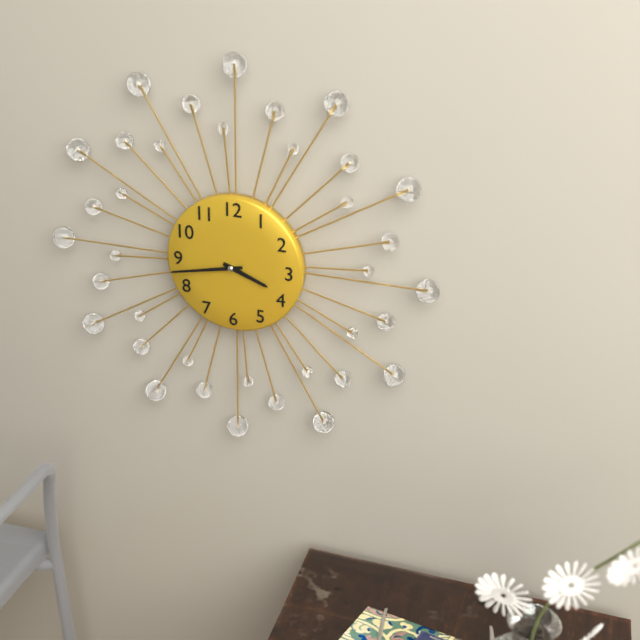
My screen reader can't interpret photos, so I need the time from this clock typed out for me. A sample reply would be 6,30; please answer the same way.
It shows 3,43
